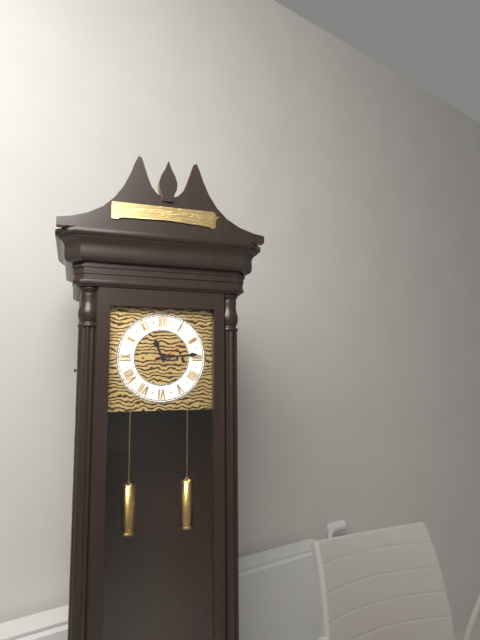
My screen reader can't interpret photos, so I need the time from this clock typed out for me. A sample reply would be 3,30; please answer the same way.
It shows 11,14
